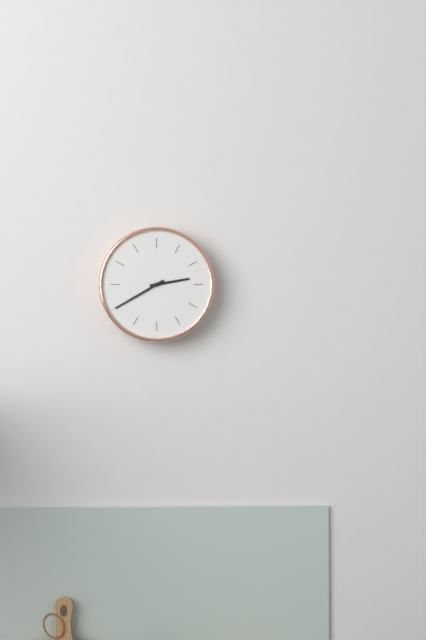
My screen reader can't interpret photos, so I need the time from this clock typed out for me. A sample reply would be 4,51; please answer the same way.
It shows 2,40
